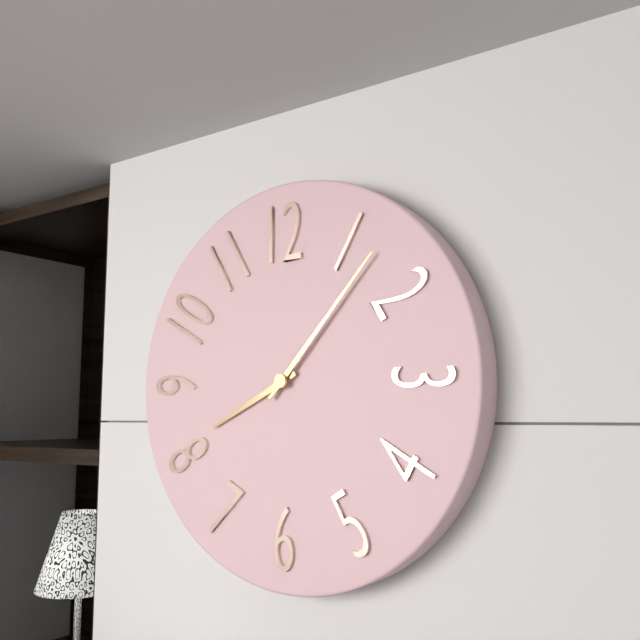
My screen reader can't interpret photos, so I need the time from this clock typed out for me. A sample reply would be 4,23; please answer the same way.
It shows 8,07
